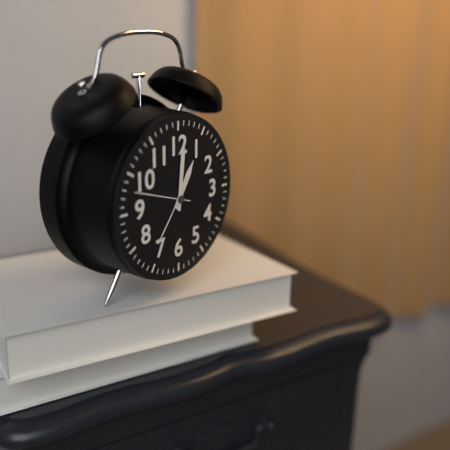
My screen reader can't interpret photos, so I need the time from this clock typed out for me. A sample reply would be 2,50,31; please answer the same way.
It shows 1,01,48
